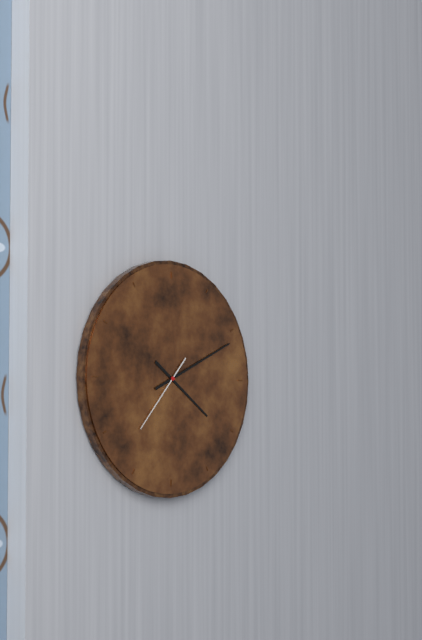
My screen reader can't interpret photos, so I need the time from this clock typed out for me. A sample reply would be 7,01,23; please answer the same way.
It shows 4,11,37
